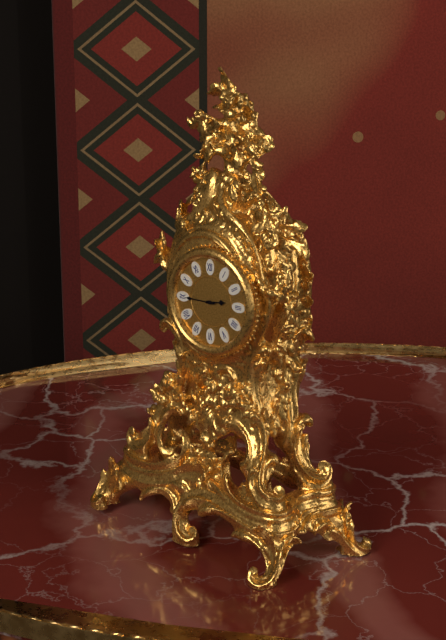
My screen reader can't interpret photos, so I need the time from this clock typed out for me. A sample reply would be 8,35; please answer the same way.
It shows 2,45
